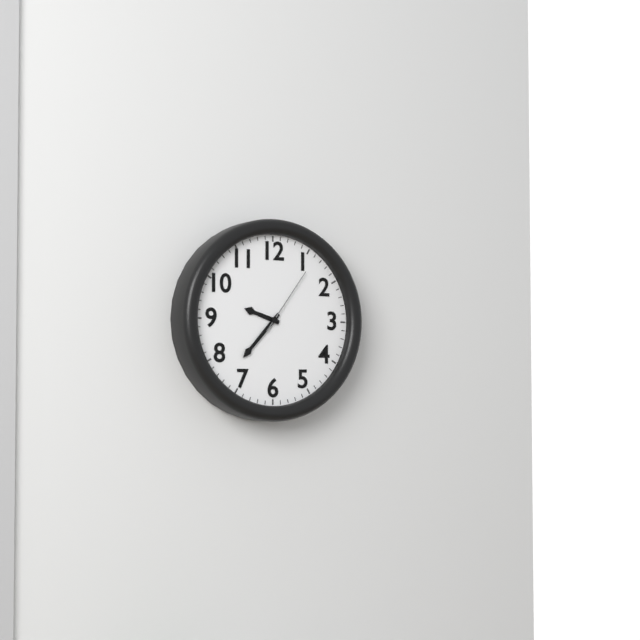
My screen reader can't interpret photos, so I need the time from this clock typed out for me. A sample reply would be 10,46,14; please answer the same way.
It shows 9,37,06
